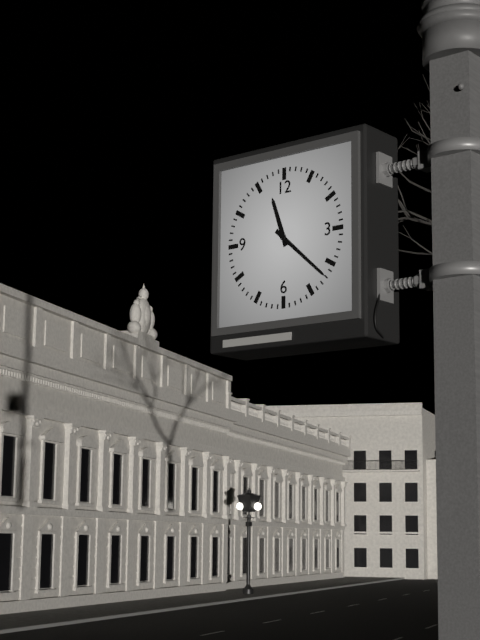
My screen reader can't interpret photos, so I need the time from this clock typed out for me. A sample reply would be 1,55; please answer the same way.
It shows 11,22
